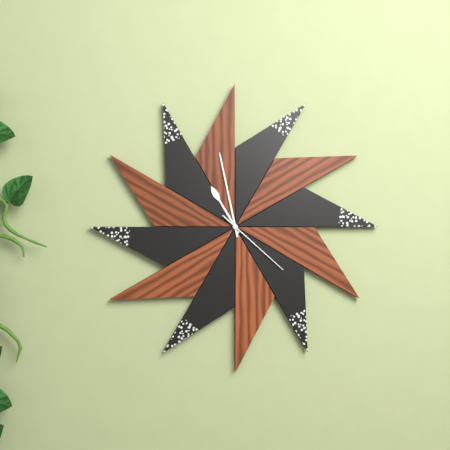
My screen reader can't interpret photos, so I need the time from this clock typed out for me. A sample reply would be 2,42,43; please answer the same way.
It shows 10,58,22
